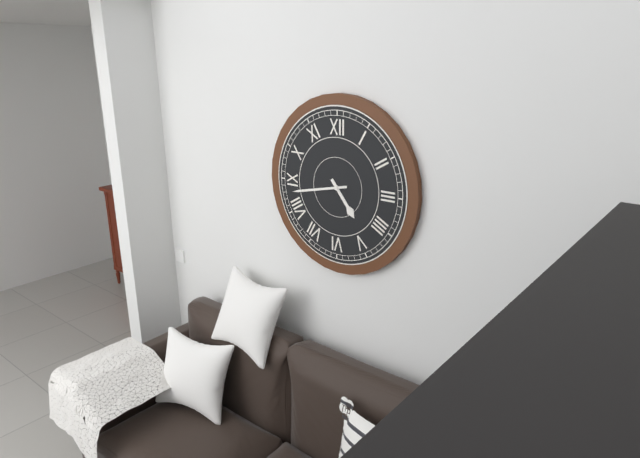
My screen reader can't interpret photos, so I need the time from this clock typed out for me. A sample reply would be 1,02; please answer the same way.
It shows 4,43
